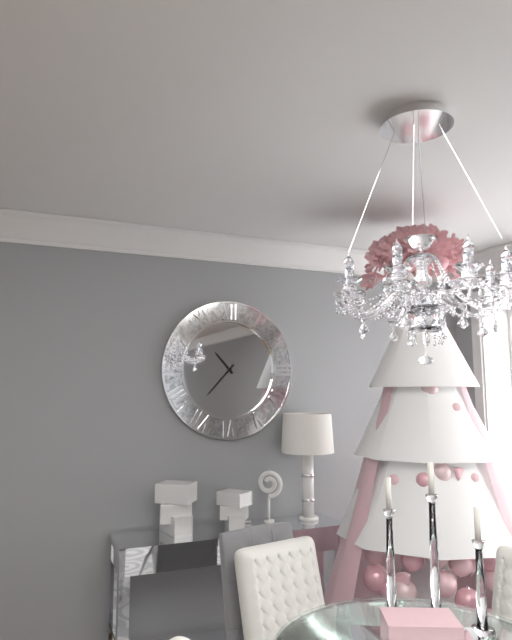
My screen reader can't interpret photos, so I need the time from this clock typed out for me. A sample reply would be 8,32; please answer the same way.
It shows 10,37
